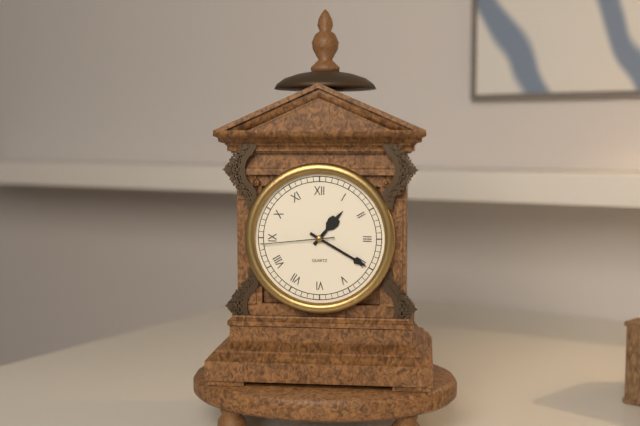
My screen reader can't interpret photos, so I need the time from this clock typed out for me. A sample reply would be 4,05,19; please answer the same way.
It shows 1,20,44
